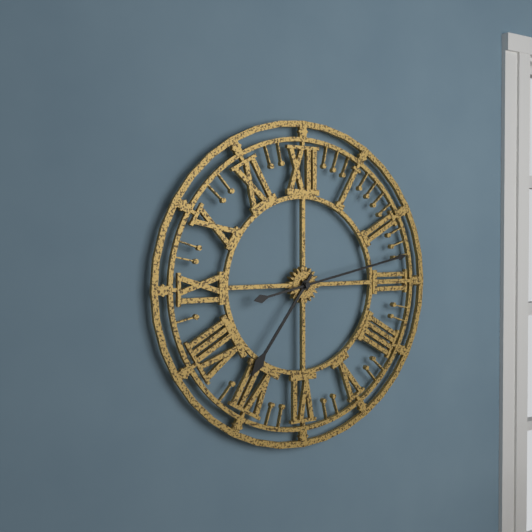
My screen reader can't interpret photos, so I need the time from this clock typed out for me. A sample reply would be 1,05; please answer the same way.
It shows 7,13
